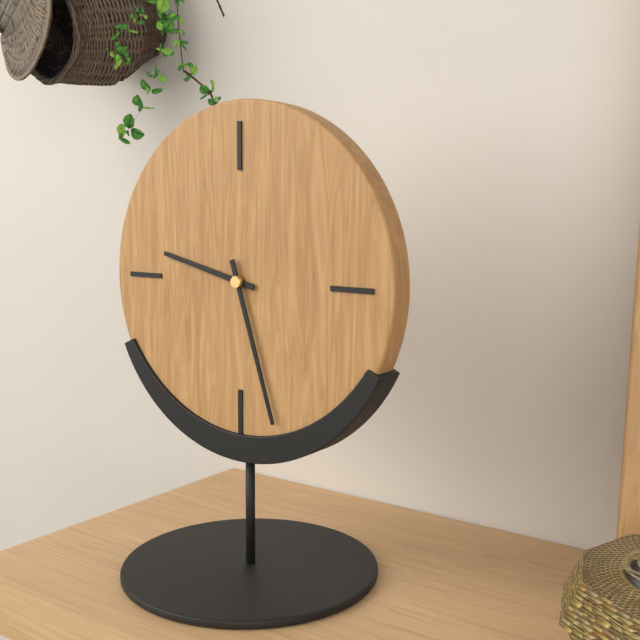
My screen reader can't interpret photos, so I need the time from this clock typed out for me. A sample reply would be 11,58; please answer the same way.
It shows 9,27
